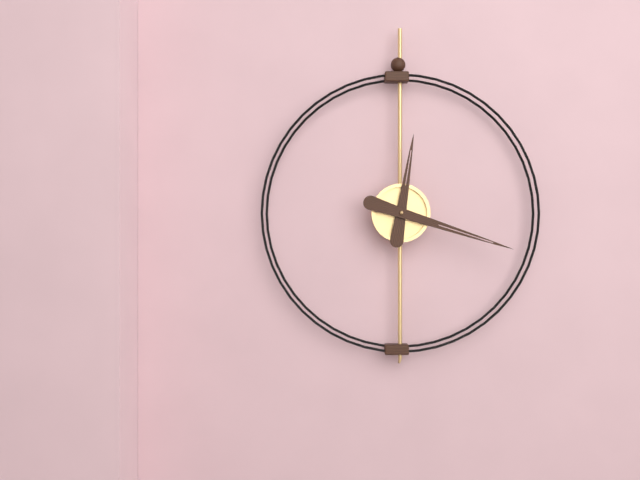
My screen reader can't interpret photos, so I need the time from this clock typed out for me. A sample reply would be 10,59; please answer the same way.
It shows 12,18
